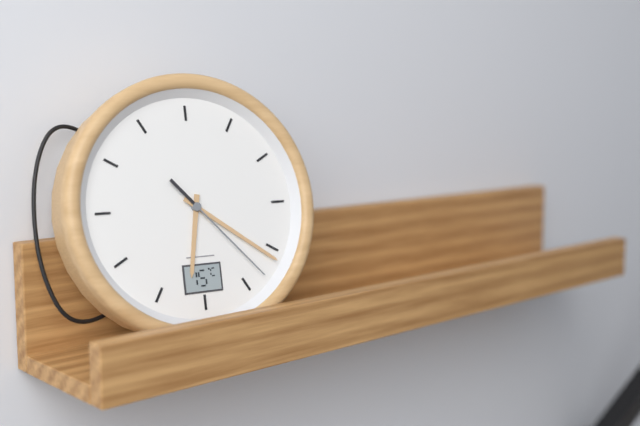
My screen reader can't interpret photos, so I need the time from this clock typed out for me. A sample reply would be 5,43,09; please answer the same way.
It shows 6,21,23
